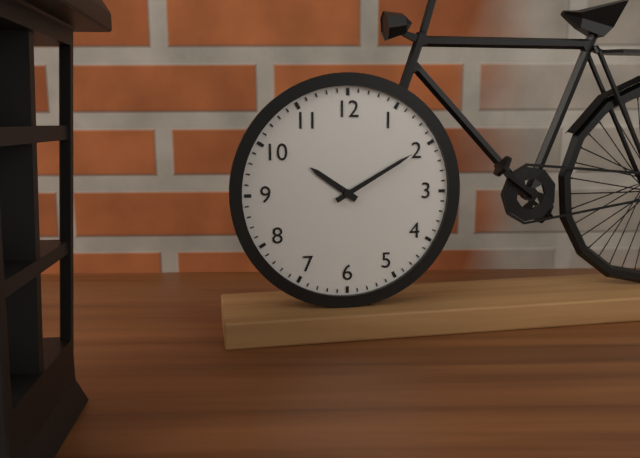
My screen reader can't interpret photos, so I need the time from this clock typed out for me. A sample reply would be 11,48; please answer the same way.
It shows 10,10
